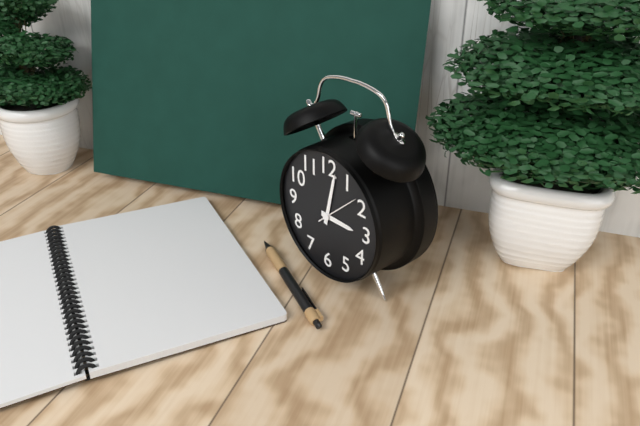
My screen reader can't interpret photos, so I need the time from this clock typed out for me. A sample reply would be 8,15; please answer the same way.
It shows 3,02
